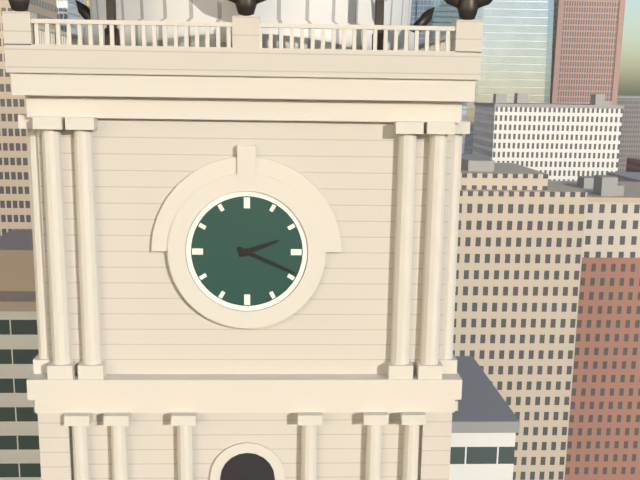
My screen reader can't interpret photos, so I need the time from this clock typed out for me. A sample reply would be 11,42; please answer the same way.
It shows 2,19
